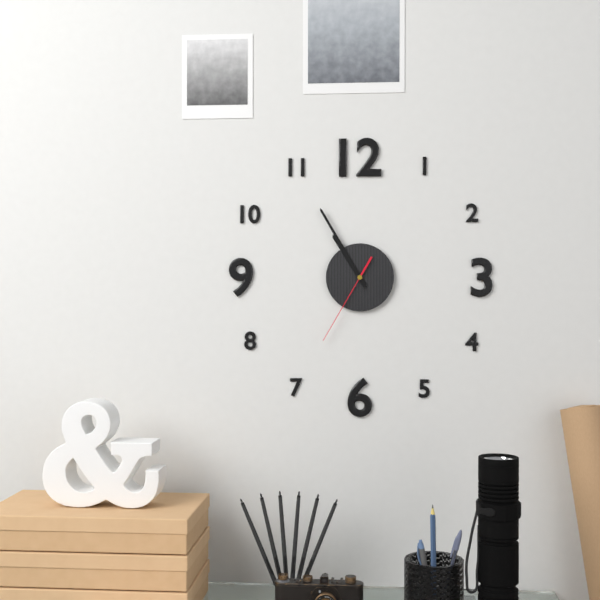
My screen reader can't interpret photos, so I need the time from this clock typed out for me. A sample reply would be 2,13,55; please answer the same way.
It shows 10,55,35
